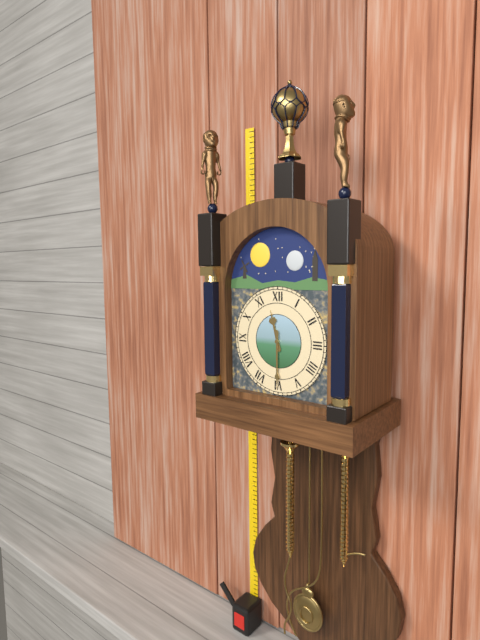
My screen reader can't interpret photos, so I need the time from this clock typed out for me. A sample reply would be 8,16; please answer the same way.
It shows 11,30
